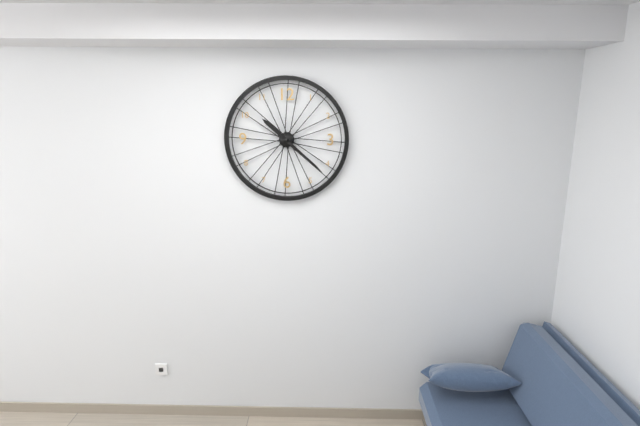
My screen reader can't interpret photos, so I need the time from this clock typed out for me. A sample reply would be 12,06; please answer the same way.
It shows 10,22
